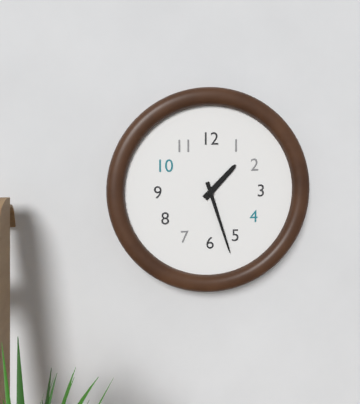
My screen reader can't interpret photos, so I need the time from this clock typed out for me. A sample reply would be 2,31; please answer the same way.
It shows 1,27
